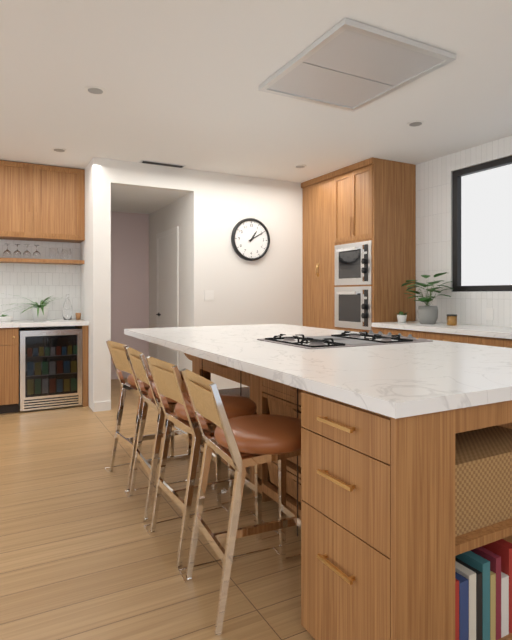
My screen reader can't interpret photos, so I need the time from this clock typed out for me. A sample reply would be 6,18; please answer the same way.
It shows 1,10
